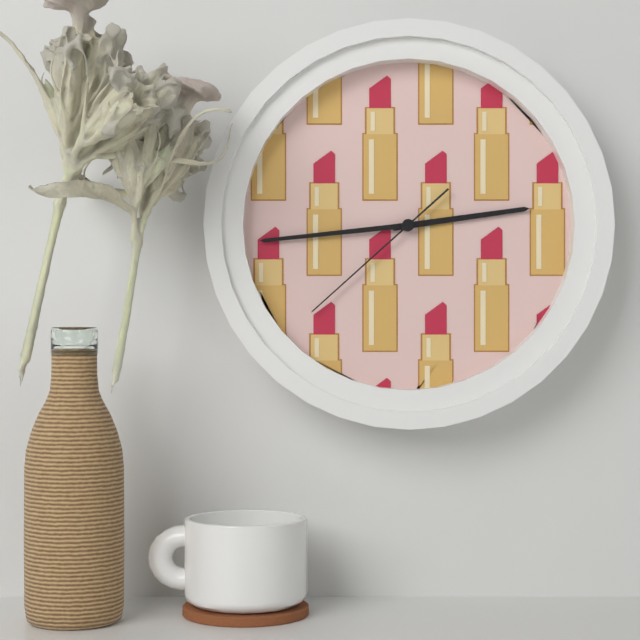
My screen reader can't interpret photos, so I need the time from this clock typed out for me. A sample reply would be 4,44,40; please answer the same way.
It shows 2,44,38
